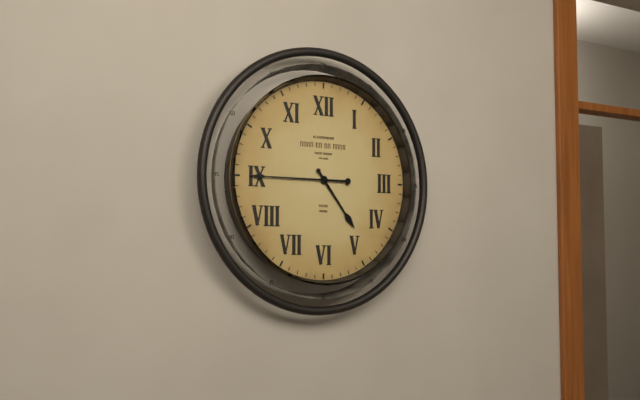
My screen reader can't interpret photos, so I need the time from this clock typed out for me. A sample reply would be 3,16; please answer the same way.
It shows 4,45
